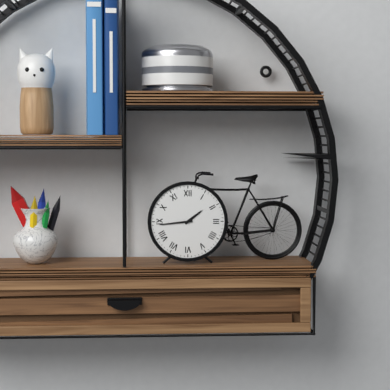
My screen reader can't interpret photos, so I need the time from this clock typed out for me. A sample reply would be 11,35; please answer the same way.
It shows 1,44
